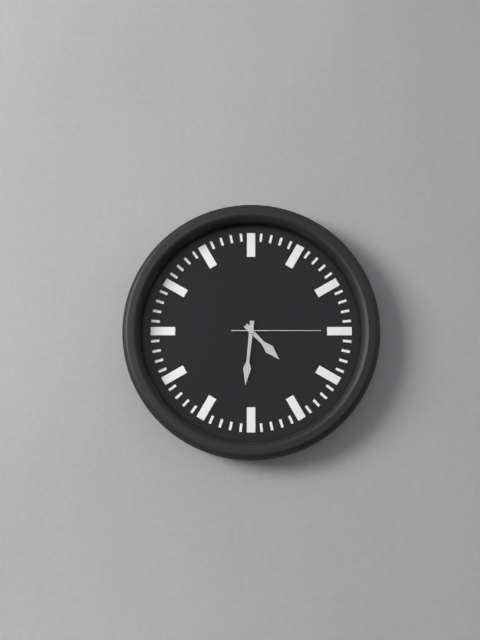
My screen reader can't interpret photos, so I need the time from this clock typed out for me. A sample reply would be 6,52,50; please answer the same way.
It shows 4,31,15
